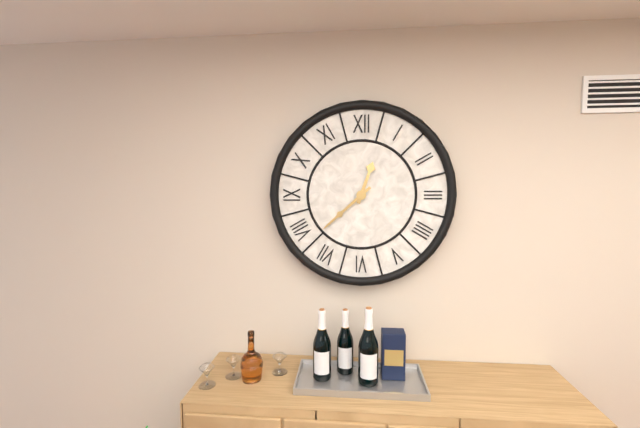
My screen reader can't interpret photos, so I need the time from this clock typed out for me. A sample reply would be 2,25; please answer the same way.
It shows 12,38
